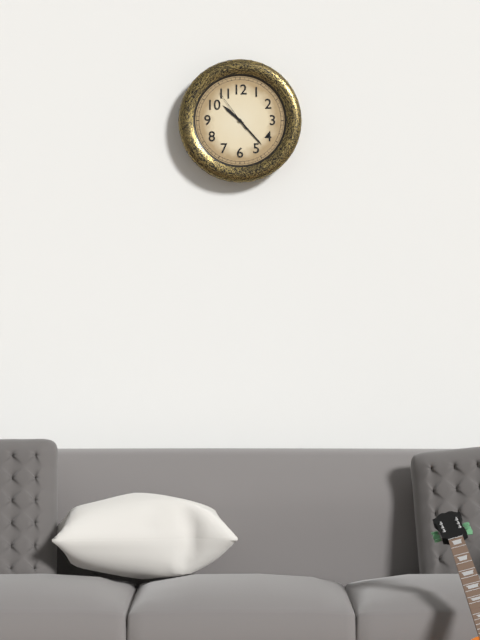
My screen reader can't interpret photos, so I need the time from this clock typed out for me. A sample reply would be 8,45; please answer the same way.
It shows 10,23
